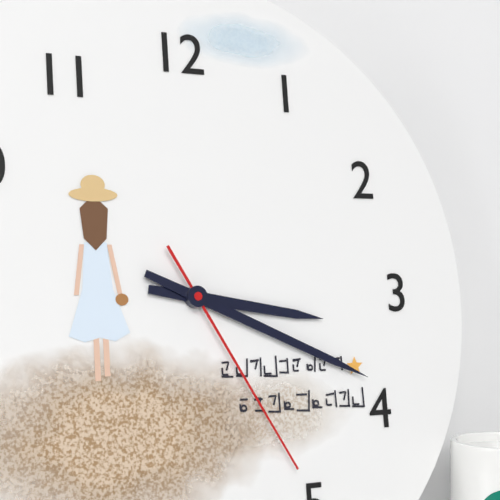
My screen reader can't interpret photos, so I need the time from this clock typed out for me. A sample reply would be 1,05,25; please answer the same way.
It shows 3,19,25
